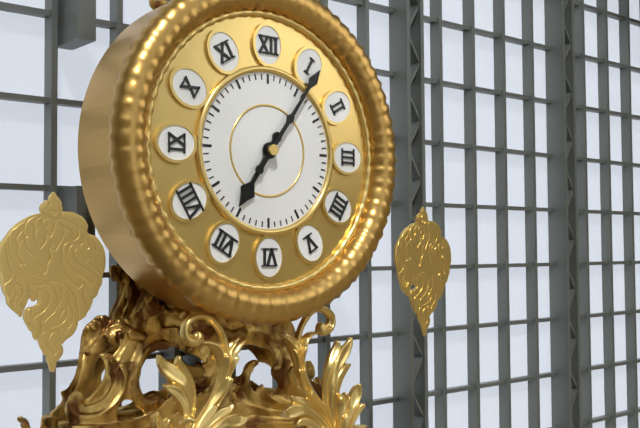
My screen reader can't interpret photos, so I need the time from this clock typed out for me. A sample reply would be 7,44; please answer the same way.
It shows 7,06
